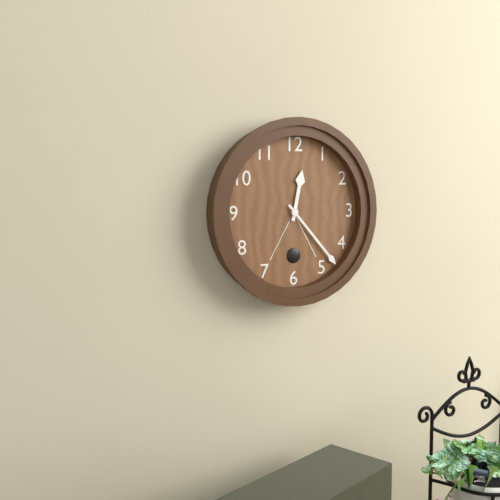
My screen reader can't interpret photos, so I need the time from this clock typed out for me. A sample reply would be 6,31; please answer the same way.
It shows 12,23
